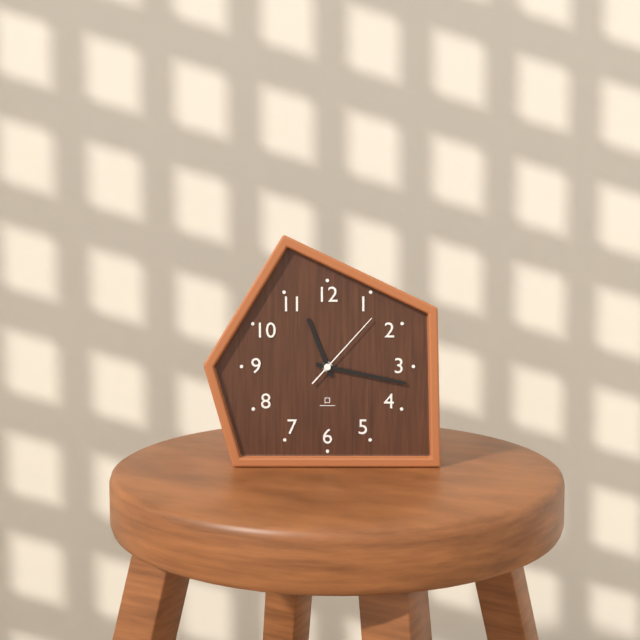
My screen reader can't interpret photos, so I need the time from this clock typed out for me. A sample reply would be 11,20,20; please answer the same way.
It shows 11,17,07
